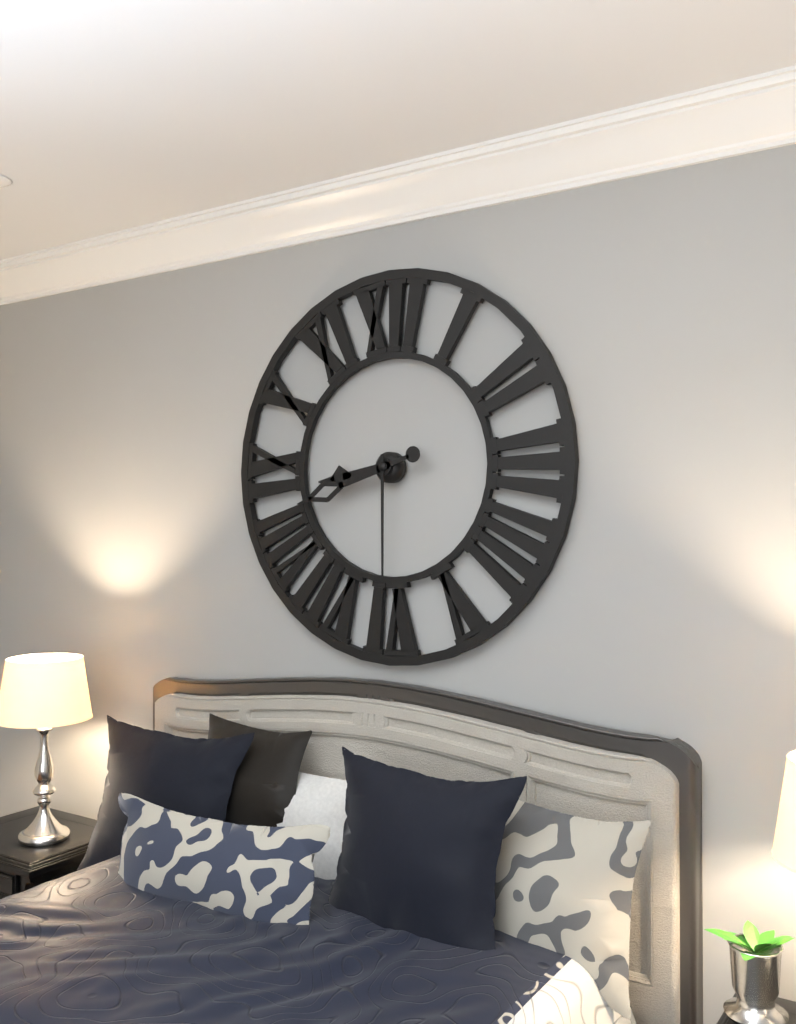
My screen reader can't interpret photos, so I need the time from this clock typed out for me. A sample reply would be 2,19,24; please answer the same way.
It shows 8,42,30
